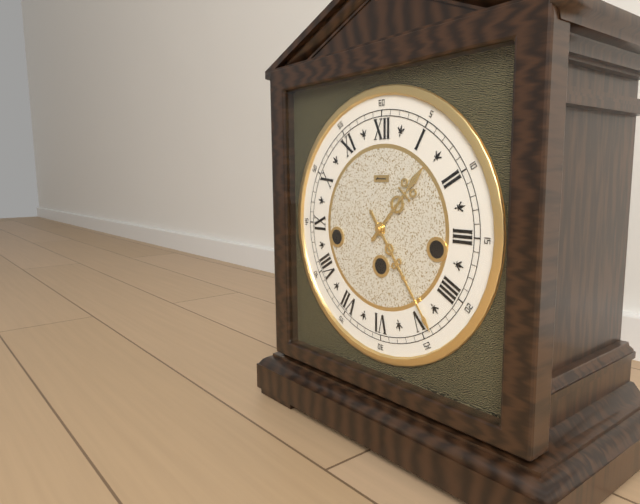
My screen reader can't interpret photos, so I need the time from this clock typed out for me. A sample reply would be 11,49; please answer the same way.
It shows 1,24
